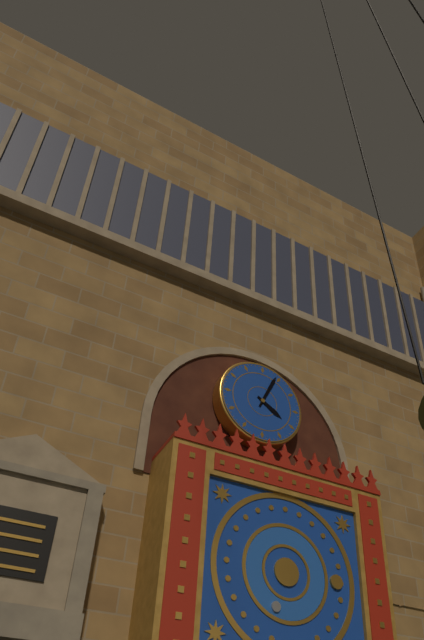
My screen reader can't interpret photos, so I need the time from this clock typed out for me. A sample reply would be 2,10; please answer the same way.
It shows 4,04
